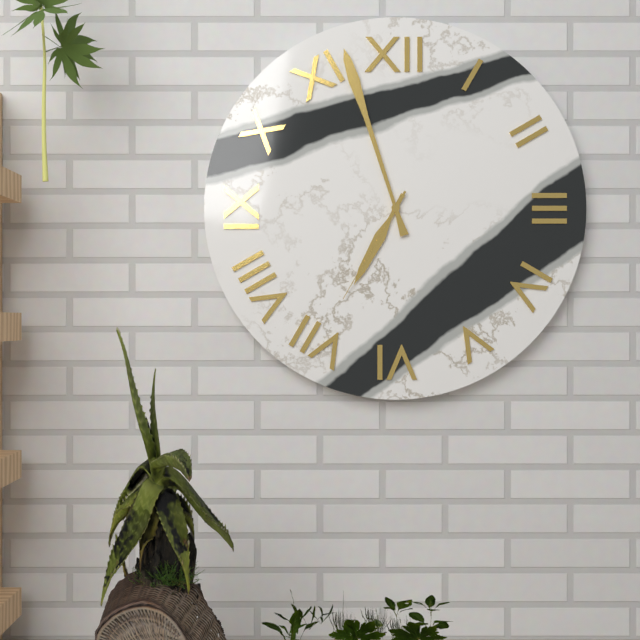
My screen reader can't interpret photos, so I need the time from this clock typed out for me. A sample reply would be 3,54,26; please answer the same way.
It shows 6,57,35
